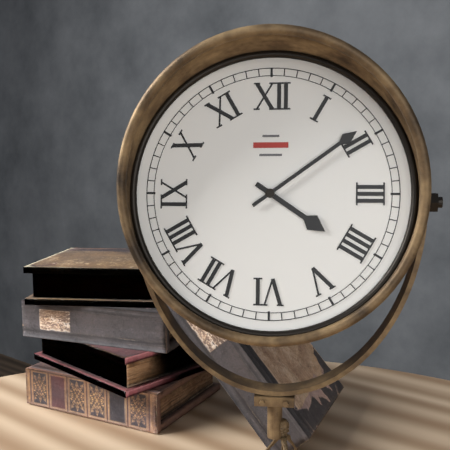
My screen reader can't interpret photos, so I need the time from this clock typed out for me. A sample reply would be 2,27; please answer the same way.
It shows 4,09
